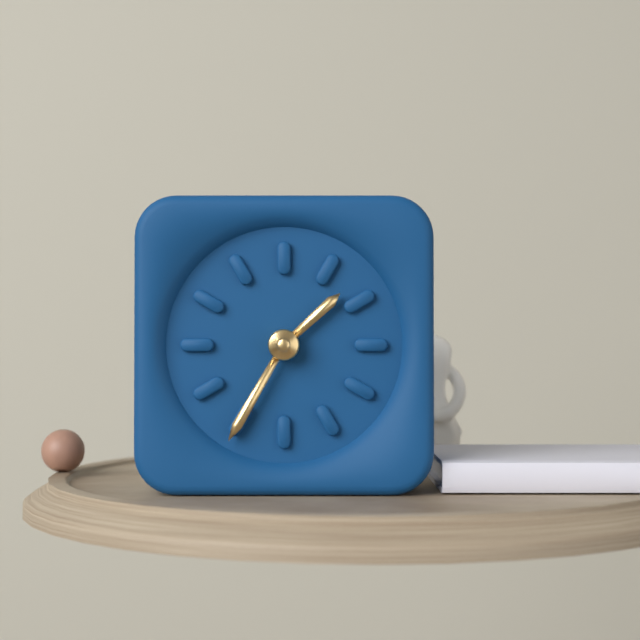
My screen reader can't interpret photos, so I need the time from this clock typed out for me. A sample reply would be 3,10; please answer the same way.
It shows 1,35
